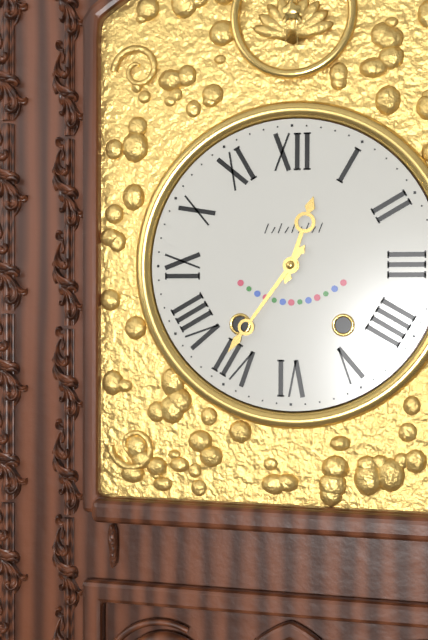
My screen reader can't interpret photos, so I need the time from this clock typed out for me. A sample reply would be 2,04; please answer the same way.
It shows 12,36
